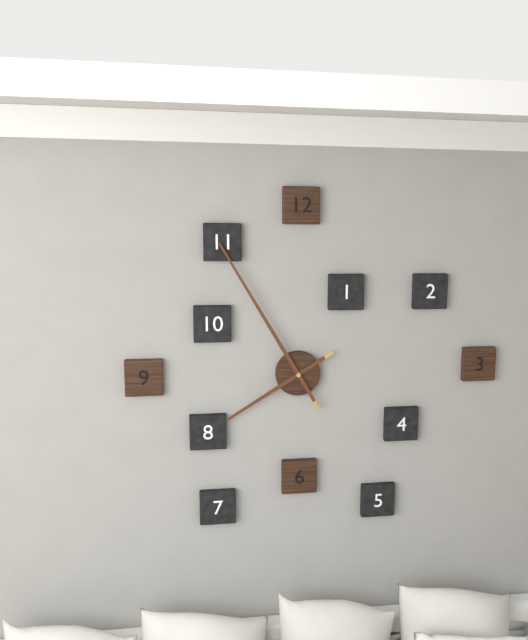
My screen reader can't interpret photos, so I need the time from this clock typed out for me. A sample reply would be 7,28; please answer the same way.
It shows 7,55
